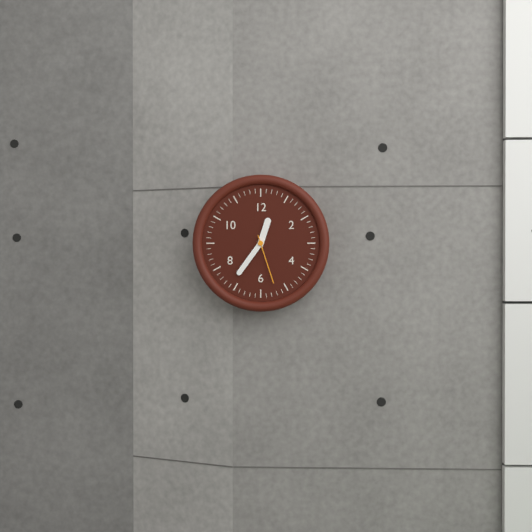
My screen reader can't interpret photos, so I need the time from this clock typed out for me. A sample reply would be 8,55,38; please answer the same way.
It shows 12,36,27
